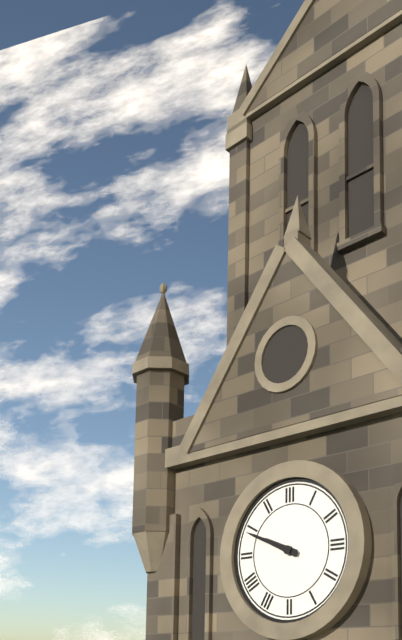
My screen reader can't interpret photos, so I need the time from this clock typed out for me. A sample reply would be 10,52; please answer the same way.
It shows 9,49
